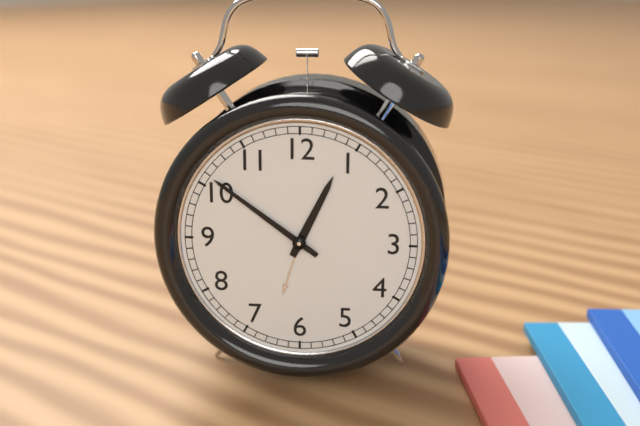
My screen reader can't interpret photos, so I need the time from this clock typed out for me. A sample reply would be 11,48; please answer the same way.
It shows 12,51
